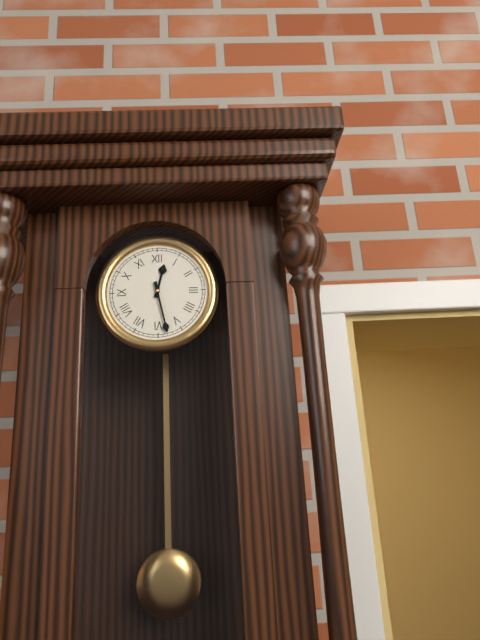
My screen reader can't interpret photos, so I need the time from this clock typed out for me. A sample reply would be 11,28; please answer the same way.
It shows 12,28
